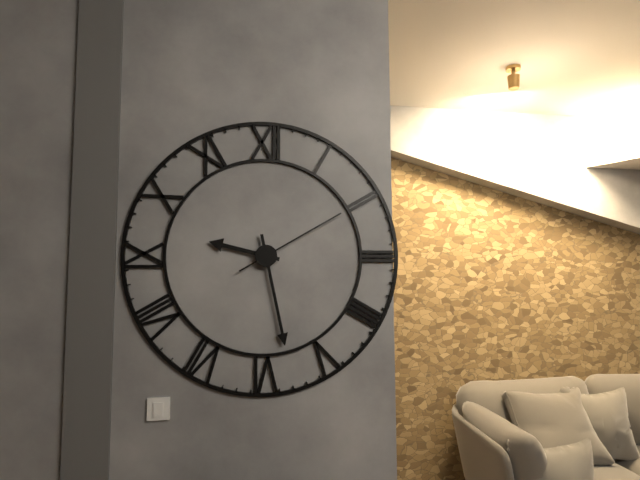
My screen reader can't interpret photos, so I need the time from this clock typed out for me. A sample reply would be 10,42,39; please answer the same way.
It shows 9,28,10
